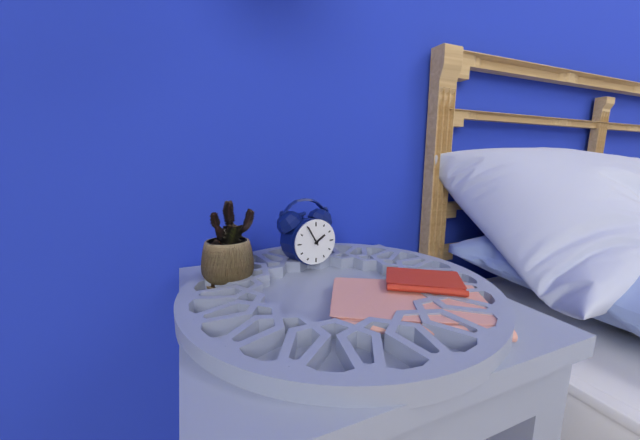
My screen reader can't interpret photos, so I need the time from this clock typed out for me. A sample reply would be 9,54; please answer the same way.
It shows 1,55
